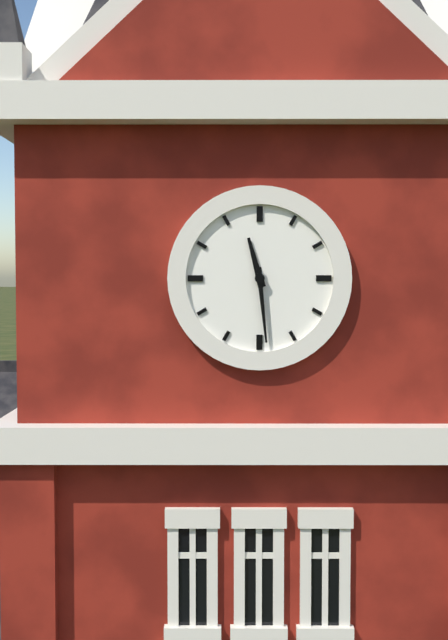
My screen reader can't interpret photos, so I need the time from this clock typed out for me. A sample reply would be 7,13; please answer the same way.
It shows 11,29
